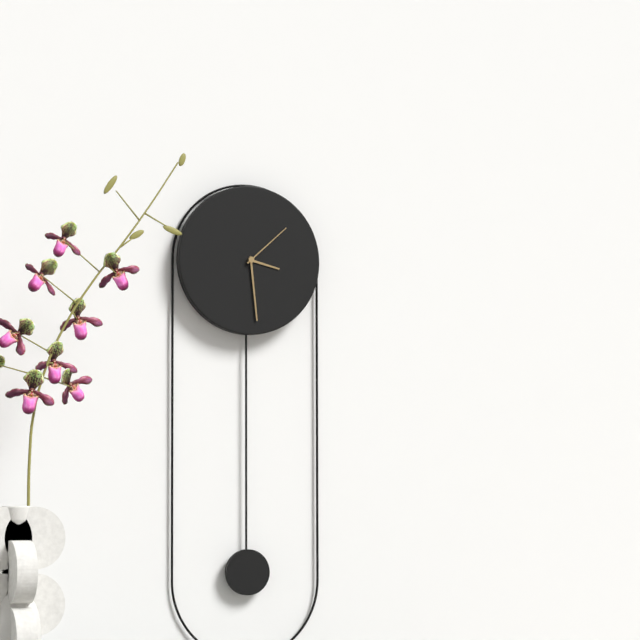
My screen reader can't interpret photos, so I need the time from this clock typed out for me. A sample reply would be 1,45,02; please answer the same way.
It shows 3,29,08
